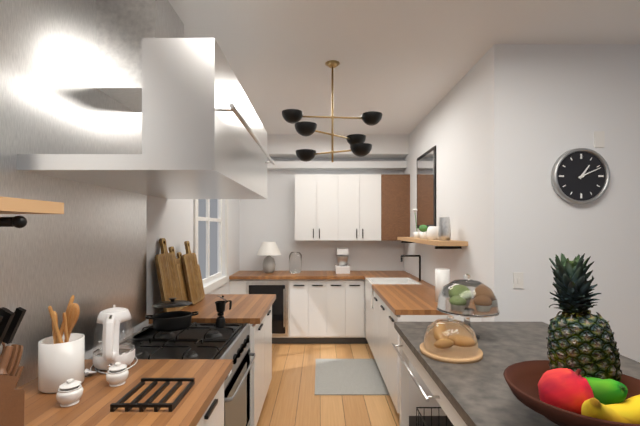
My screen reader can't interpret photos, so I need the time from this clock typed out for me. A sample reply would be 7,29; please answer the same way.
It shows 1,11
